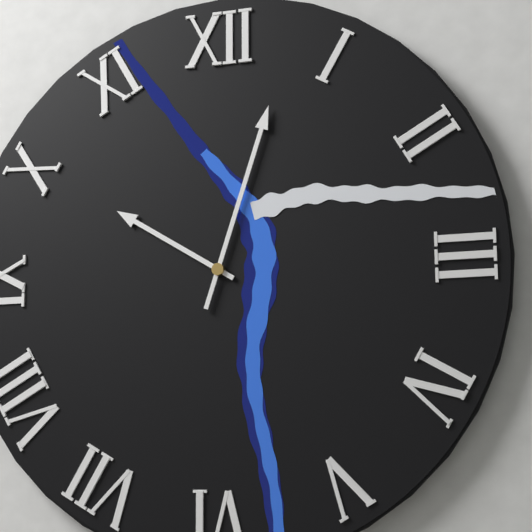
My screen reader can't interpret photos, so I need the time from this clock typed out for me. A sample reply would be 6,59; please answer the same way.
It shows 10,03
